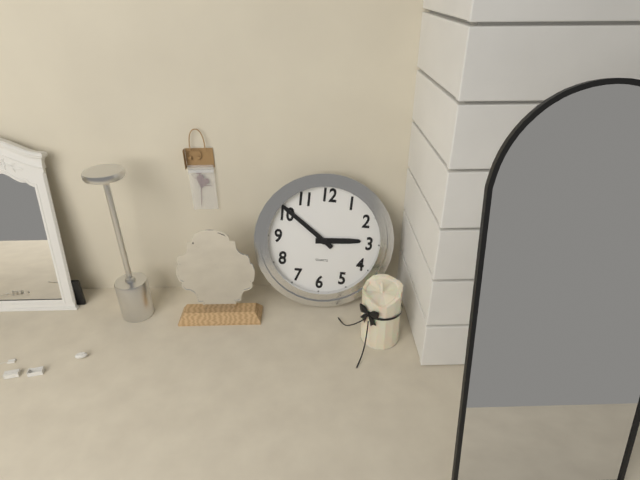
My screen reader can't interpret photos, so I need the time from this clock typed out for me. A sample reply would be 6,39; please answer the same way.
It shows 2,51
